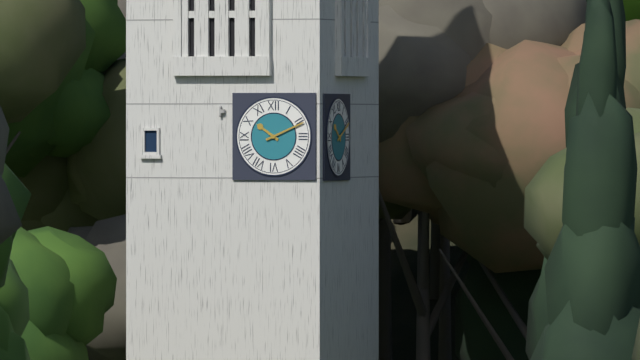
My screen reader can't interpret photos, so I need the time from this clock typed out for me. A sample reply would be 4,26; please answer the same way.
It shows 10,11
